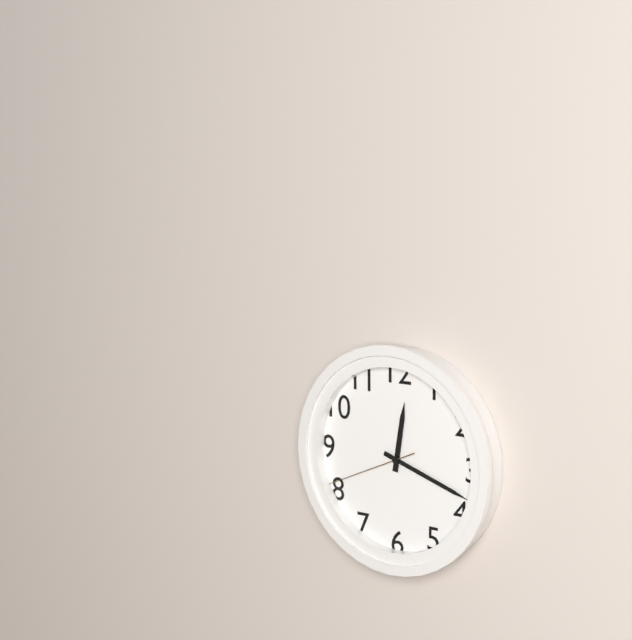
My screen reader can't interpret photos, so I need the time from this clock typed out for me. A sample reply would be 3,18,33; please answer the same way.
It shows 12,18,41
